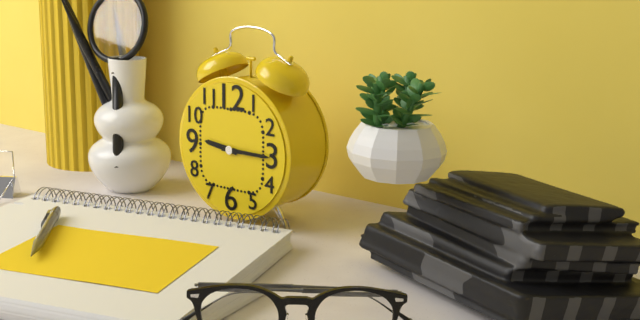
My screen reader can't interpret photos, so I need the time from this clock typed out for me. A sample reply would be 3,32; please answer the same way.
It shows 9,15
